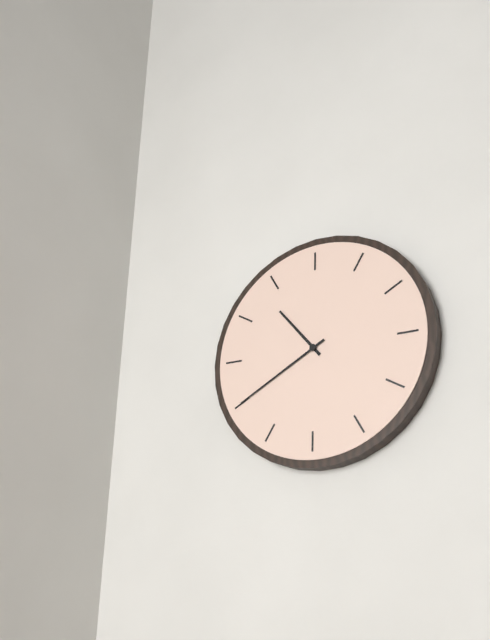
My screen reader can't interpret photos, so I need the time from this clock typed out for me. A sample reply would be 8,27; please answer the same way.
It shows 10,40
